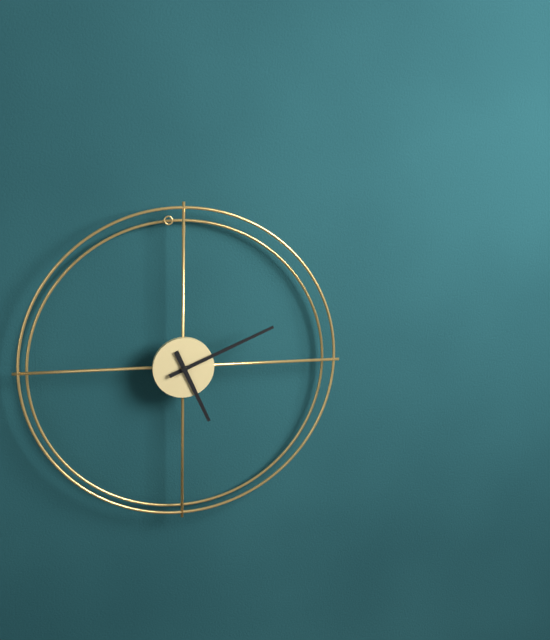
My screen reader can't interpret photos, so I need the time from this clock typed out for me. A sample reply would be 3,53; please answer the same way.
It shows 5,11
